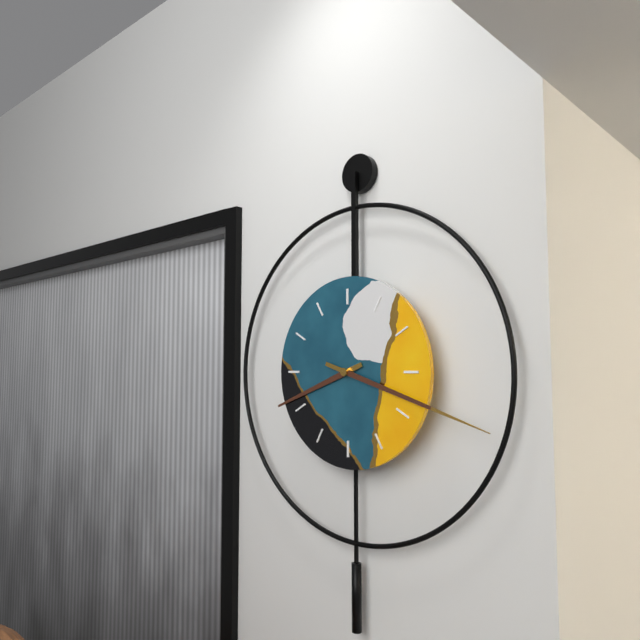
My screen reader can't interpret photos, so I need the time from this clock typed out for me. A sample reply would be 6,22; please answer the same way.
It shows 8,18
